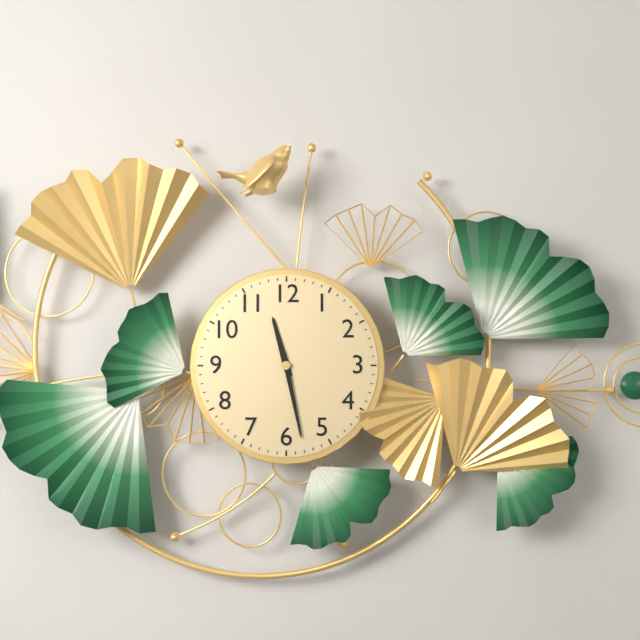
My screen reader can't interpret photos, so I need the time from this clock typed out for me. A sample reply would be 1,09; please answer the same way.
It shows 11,28
